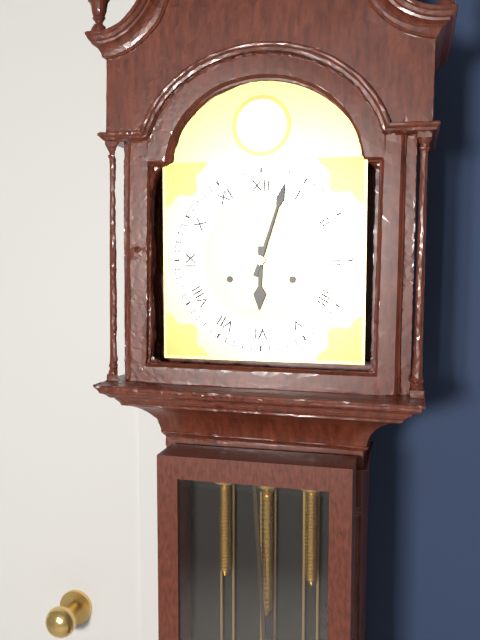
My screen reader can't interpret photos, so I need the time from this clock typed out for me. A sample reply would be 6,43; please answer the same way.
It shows 6,03
